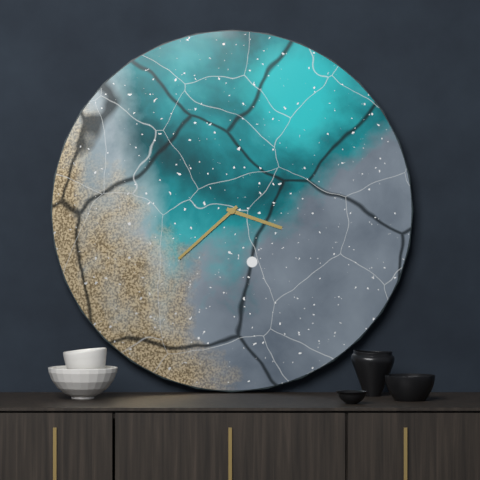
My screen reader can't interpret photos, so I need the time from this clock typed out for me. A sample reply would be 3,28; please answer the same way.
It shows 3,38
